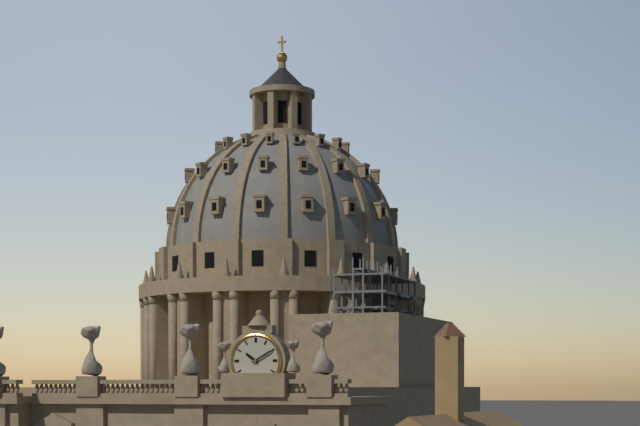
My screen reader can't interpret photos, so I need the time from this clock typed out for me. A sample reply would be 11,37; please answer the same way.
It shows 10,10
